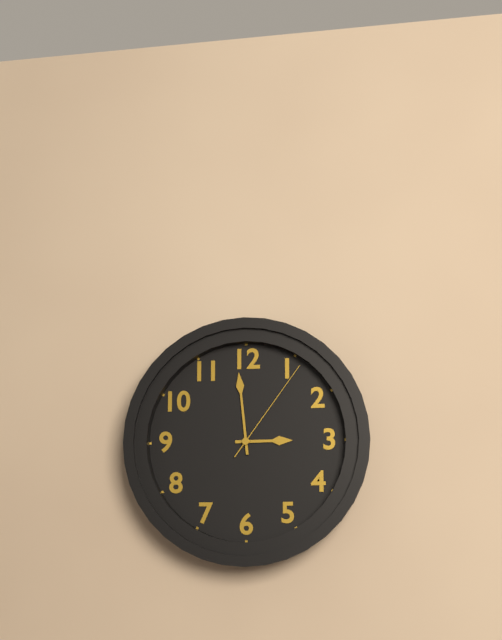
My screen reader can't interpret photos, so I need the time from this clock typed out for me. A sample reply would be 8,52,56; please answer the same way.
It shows 2,59,06
